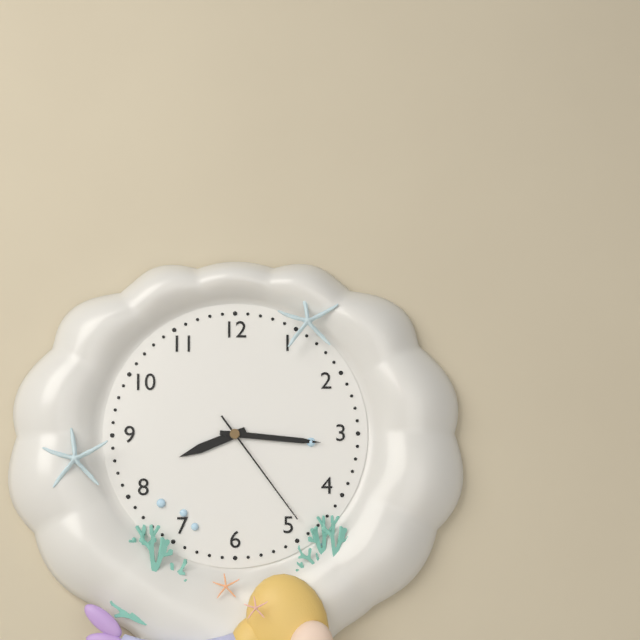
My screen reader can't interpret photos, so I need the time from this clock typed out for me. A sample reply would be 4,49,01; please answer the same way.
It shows 8,16,24
